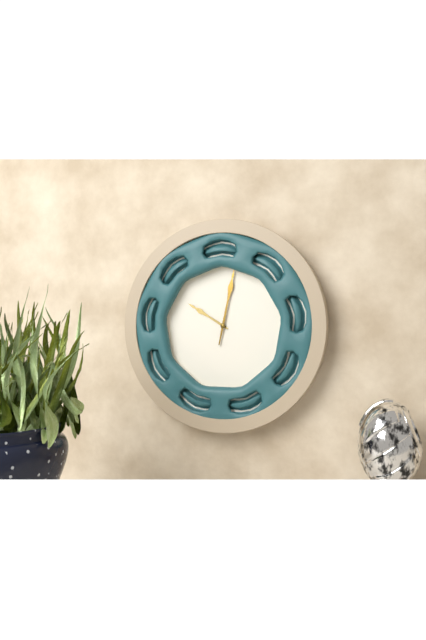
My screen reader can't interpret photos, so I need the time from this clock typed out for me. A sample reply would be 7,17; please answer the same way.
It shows 10,02
